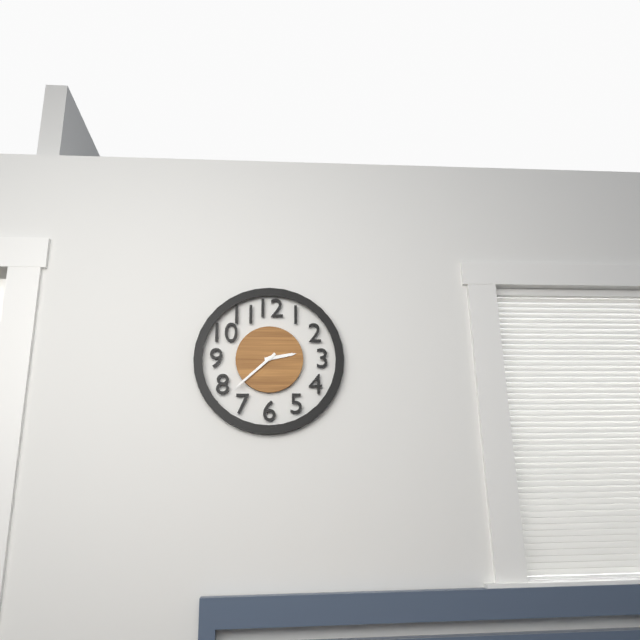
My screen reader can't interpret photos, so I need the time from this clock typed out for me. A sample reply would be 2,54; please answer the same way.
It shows 2,38
